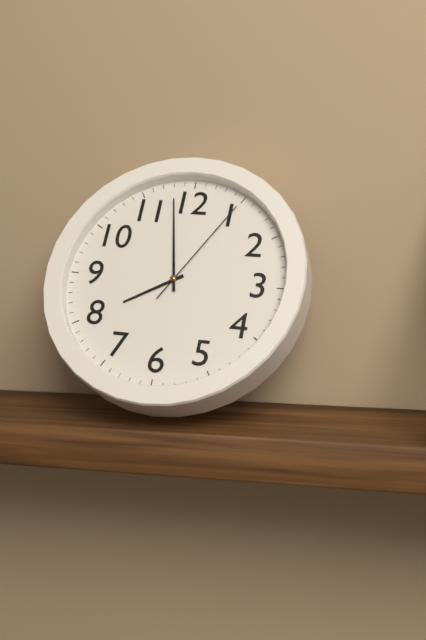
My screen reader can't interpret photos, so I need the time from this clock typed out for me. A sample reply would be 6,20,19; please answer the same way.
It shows 7,58,05
